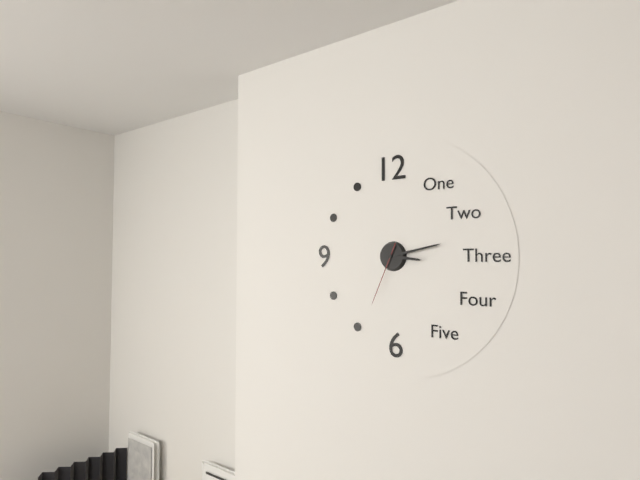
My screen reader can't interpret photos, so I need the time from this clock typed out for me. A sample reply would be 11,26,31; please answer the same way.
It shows 3,13,34
